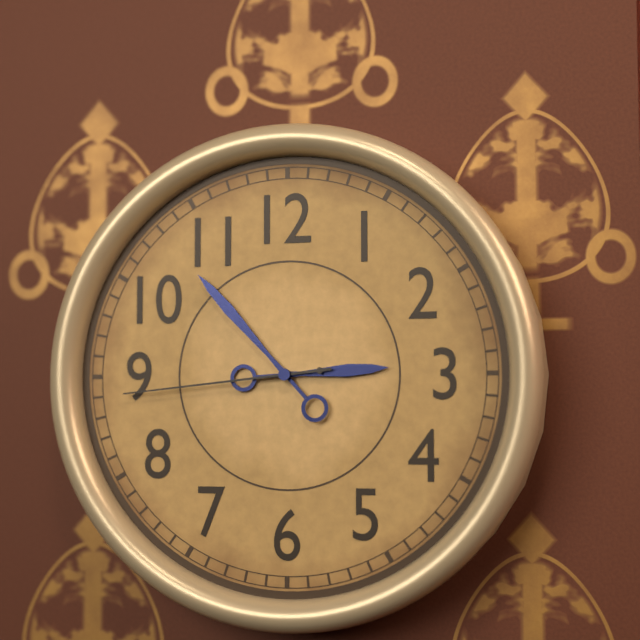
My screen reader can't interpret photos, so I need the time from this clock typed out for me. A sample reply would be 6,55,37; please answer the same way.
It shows 2,53,44
